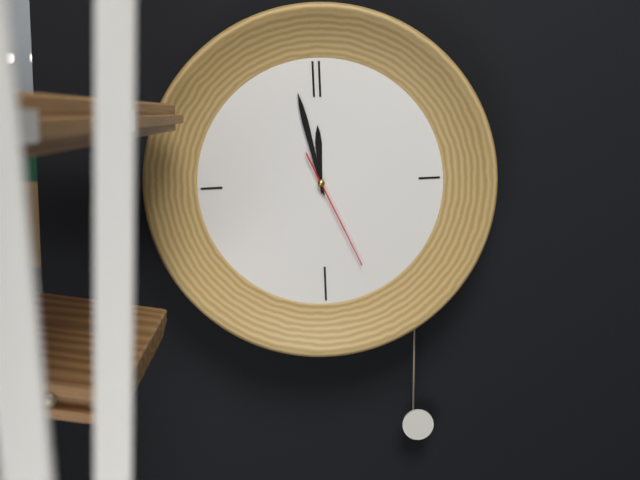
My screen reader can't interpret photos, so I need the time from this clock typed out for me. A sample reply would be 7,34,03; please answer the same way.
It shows 11,58,26
